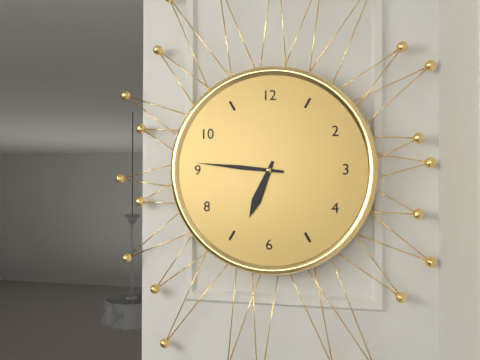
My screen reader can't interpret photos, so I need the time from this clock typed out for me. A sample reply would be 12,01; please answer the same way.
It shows 6,46
